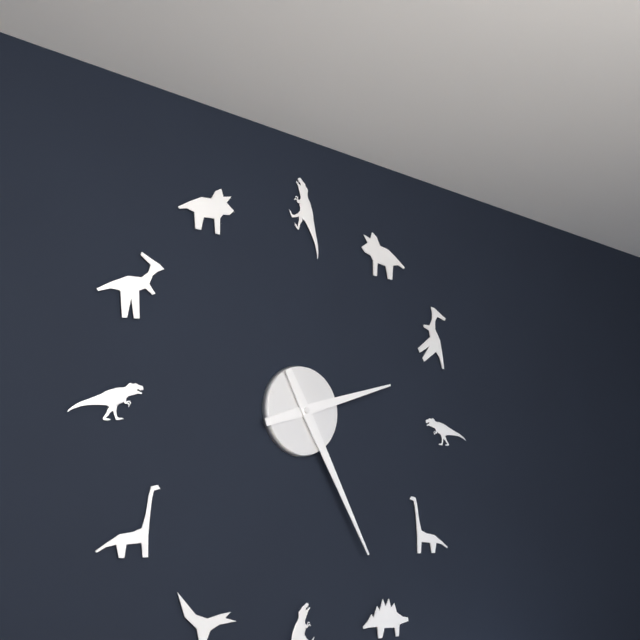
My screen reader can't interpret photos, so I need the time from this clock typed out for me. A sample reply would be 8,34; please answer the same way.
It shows 2,25
